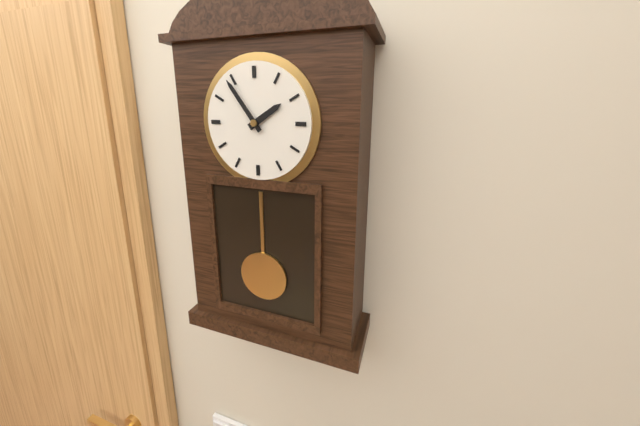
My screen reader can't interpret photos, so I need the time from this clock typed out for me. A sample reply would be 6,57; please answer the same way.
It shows 1,54
